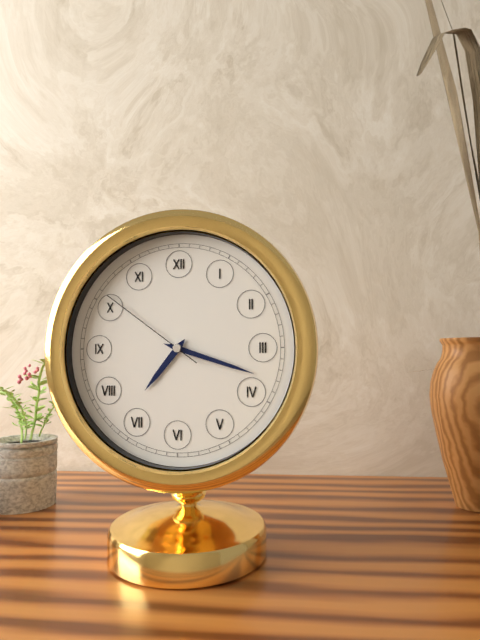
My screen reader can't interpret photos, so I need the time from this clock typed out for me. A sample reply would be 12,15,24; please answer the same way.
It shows 7,18,51
